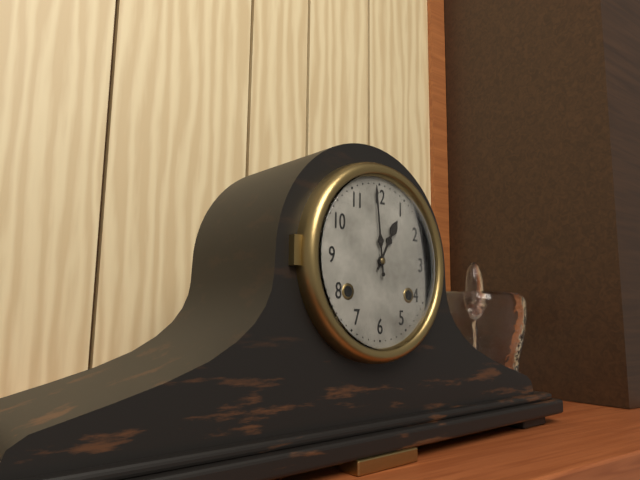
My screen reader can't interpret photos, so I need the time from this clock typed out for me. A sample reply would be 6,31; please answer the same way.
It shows 12,59
